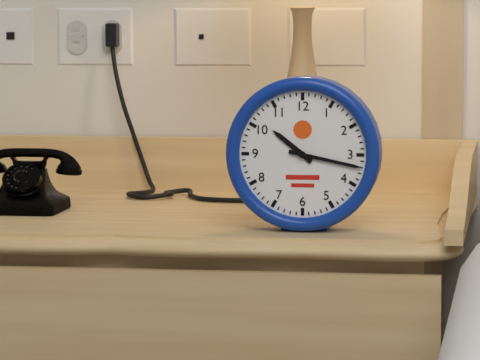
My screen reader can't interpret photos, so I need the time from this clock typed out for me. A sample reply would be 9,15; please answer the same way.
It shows 10,17
